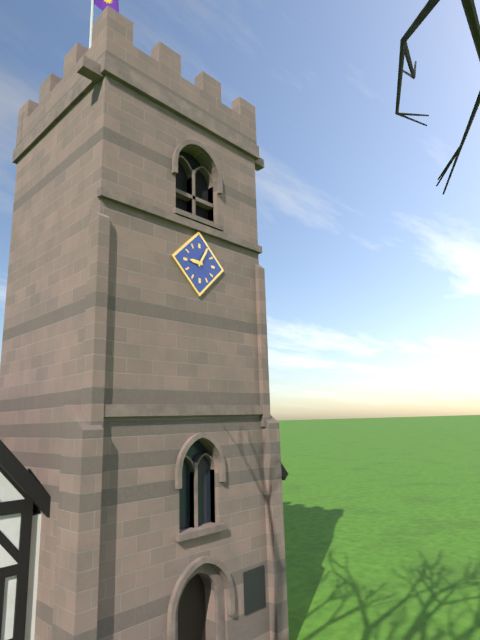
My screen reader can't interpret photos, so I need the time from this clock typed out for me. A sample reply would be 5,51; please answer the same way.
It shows 9,05
